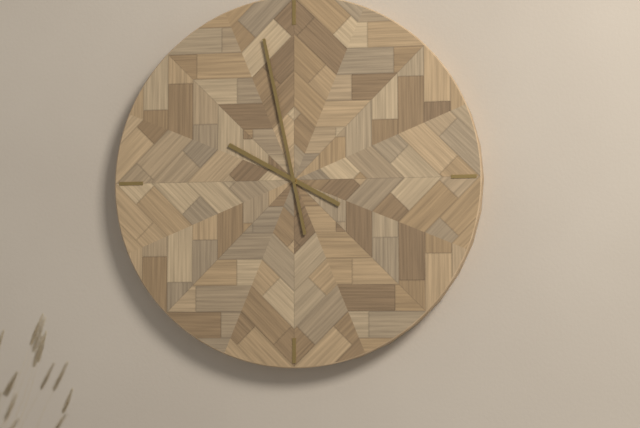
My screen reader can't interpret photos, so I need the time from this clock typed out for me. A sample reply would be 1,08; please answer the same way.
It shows 9,58
